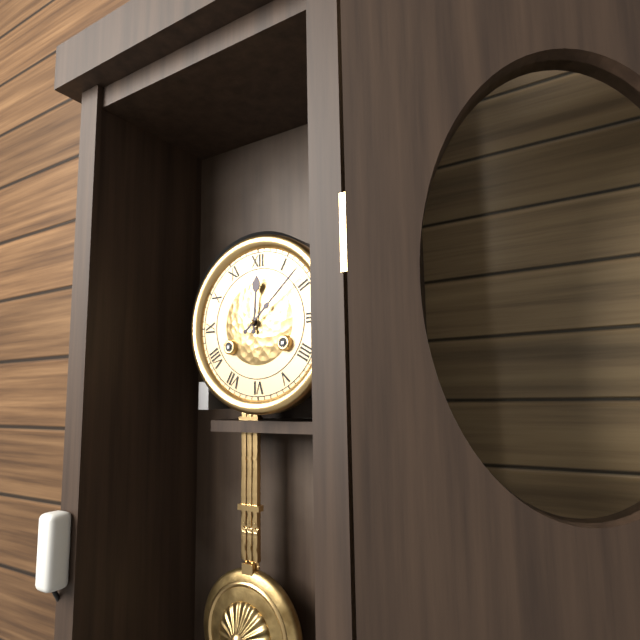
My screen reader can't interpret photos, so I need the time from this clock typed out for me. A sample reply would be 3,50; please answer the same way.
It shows 12,08
